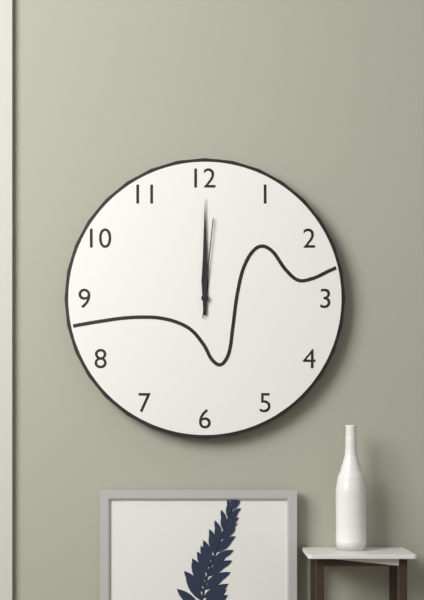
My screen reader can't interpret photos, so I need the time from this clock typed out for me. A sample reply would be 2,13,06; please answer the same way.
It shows 12,00,01
